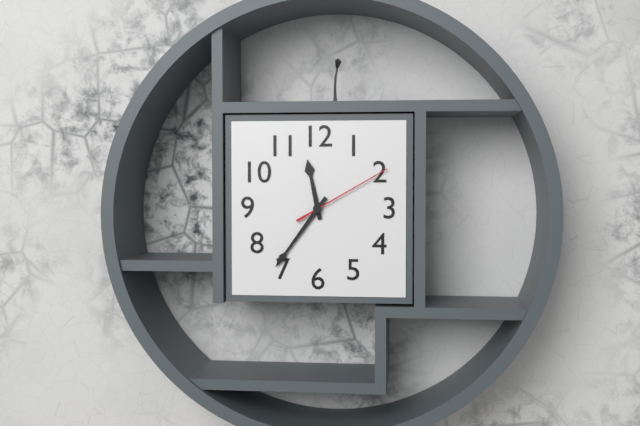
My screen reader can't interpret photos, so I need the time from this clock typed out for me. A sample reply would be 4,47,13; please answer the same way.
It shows 11,36,10
